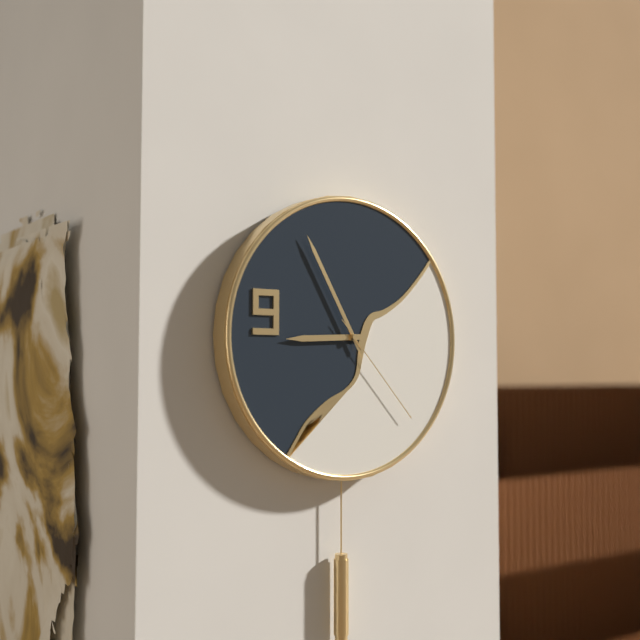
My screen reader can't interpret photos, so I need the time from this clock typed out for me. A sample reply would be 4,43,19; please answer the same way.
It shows 8,55,23
